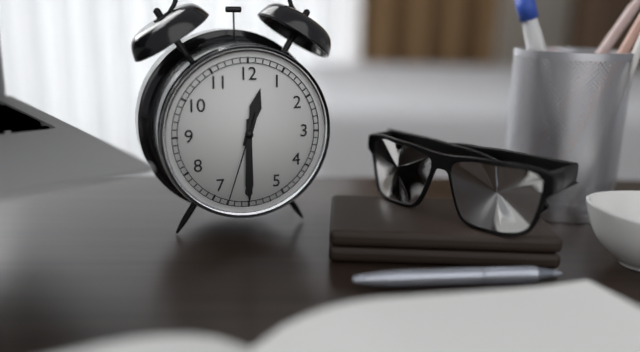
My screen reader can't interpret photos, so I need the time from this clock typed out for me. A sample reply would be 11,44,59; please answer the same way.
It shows 12,30,33
